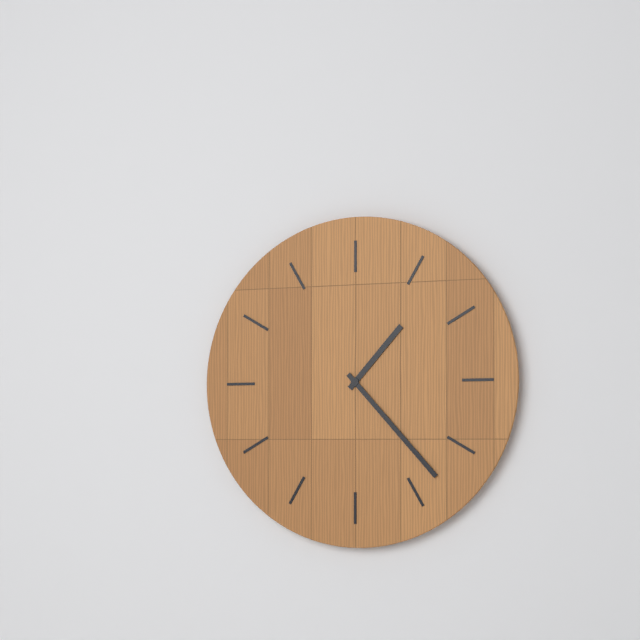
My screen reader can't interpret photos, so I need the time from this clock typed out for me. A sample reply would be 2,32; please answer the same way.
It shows 1,23
